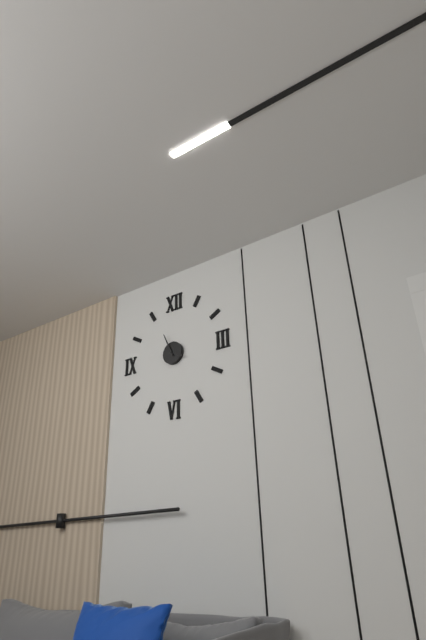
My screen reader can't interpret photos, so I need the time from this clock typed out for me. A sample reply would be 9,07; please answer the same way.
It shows 3,56
